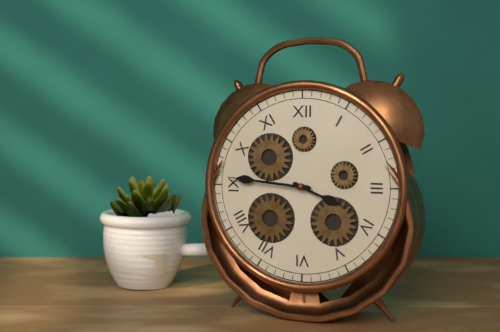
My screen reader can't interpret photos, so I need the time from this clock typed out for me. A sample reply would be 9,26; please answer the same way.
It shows 3,46
